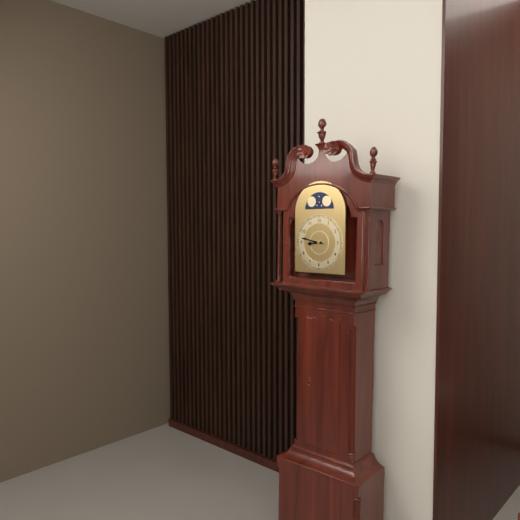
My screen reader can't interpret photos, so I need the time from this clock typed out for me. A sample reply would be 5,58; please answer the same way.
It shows 8,47
